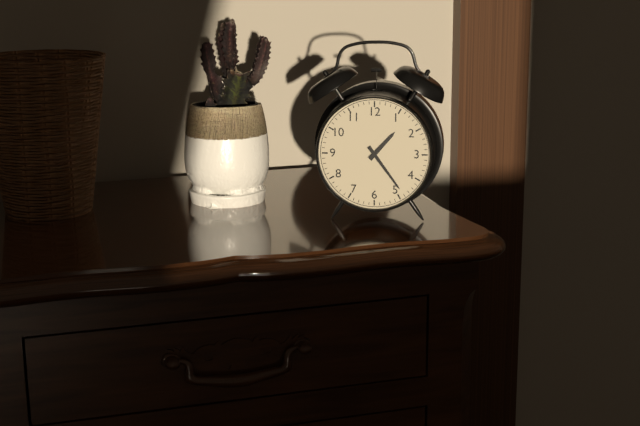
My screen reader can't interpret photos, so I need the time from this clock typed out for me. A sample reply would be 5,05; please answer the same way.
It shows 1,24
